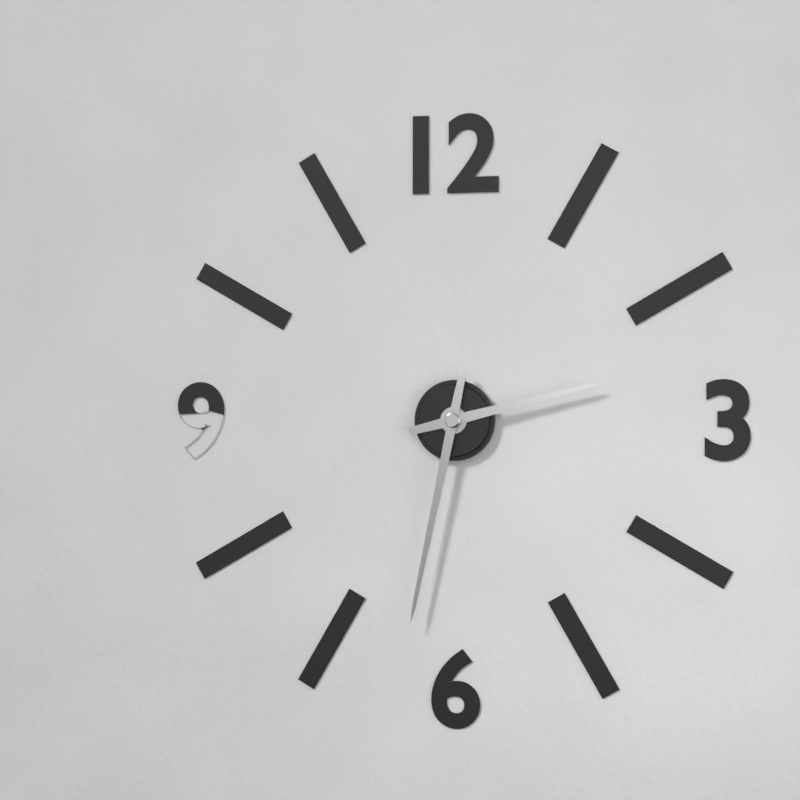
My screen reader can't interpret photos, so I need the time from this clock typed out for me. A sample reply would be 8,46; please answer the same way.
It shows 2,32
